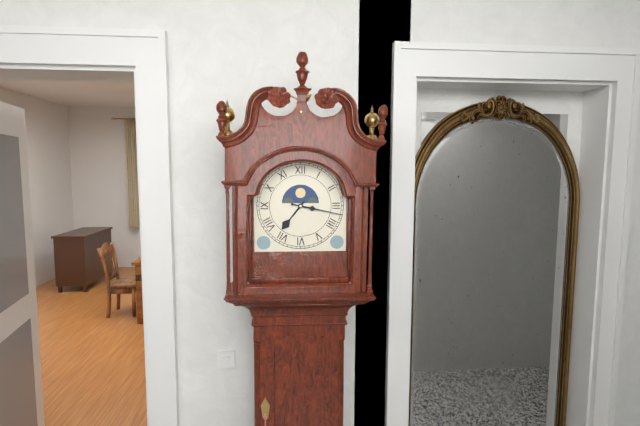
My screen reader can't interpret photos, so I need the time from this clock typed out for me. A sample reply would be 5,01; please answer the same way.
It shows 7,17
